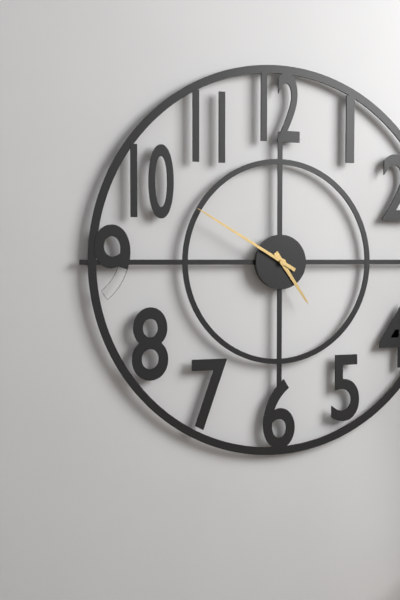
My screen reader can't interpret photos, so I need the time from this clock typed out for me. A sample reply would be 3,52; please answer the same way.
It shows 4,50
